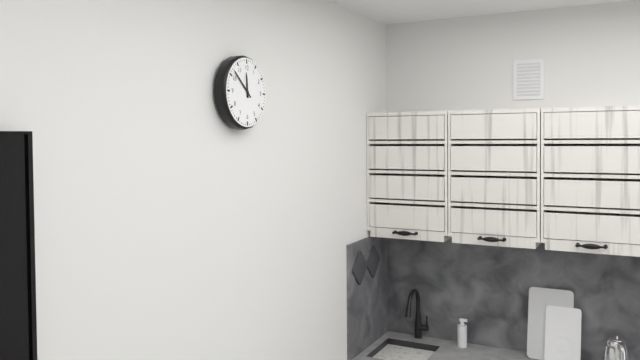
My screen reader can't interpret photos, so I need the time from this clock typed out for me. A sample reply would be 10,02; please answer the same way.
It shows 11,52
